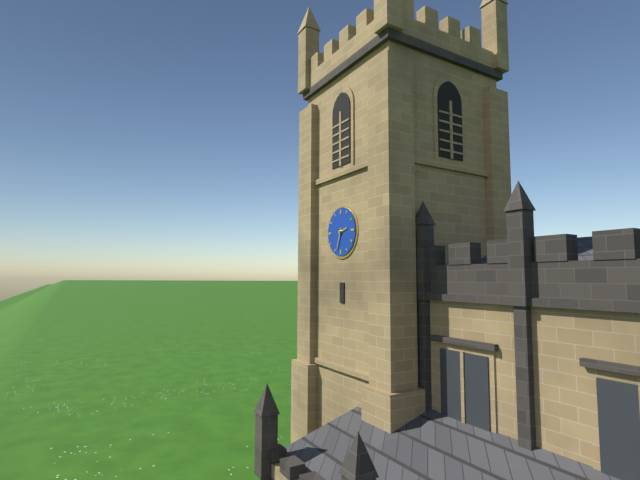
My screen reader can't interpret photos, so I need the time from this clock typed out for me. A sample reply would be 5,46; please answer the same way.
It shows 2,33
